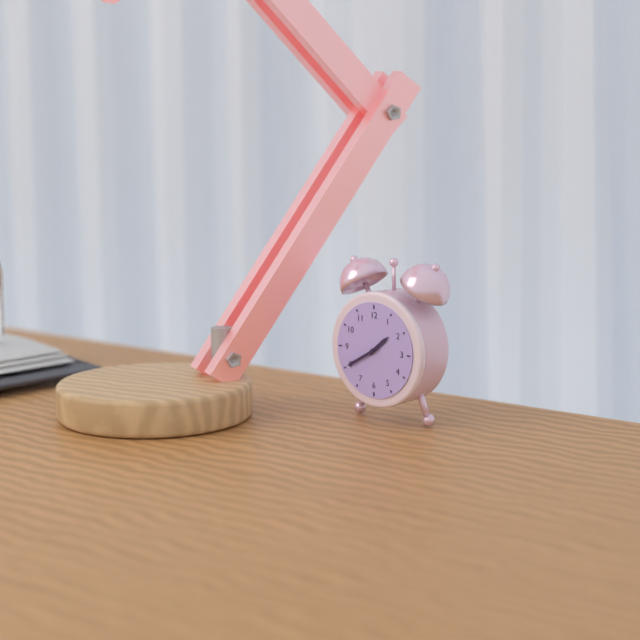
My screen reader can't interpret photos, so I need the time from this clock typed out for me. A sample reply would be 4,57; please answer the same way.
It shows 1,40
